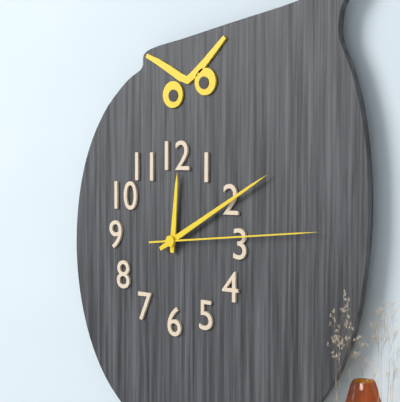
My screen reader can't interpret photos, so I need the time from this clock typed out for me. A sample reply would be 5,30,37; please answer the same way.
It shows 12,10,14
